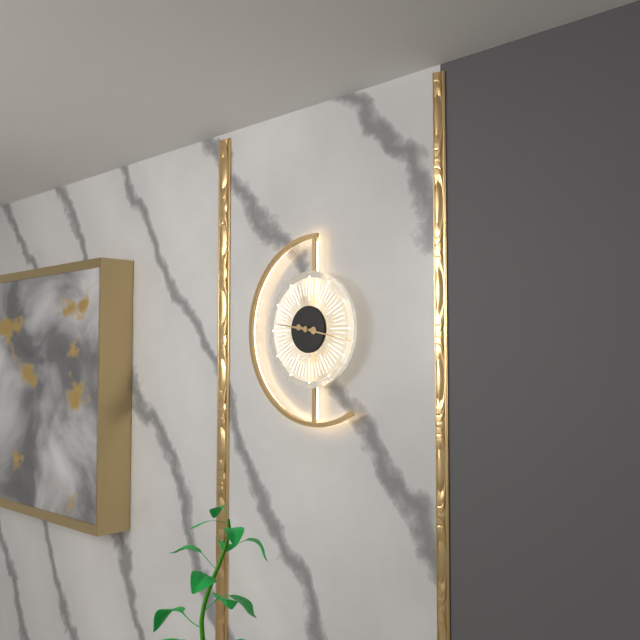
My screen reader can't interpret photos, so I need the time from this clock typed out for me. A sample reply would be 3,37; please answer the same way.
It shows 9,17
